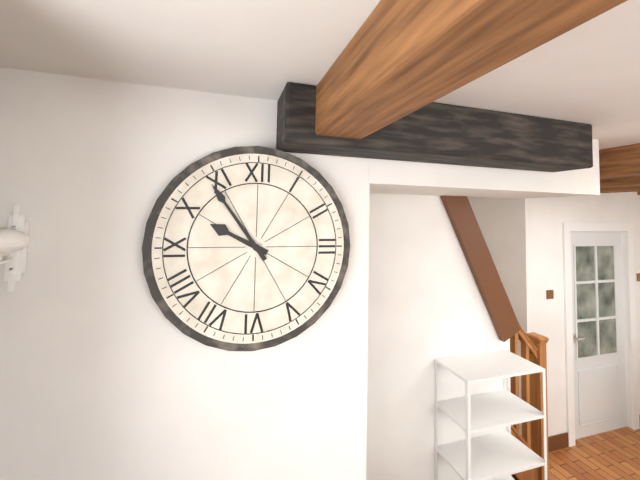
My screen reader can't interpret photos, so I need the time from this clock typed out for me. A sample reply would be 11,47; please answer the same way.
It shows 9,54
